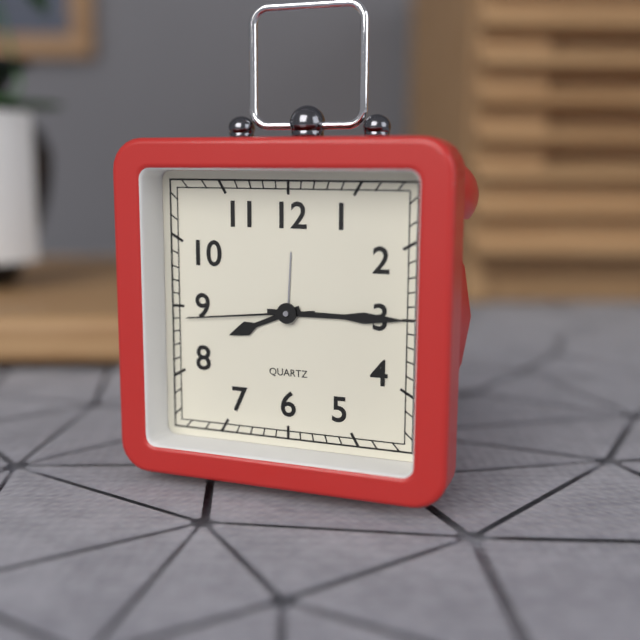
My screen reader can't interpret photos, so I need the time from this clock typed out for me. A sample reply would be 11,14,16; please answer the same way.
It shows 8,15,44
